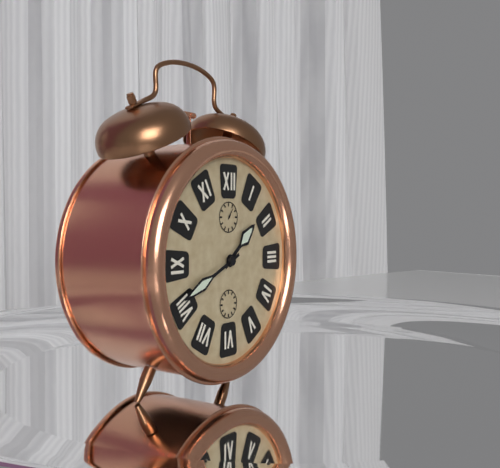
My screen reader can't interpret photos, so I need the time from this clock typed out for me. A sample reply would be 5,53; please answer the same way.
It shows 1,41
